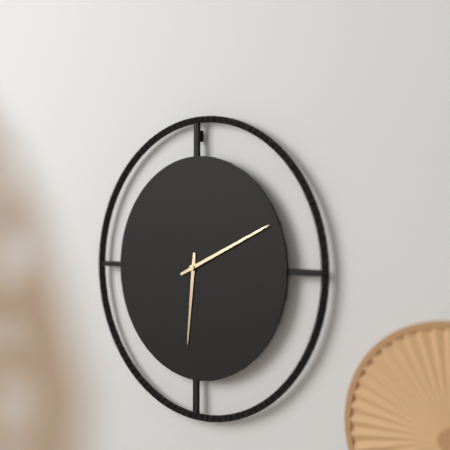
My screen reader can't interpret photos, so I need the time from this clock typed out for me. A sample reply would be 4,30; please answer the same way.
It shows 6,11
